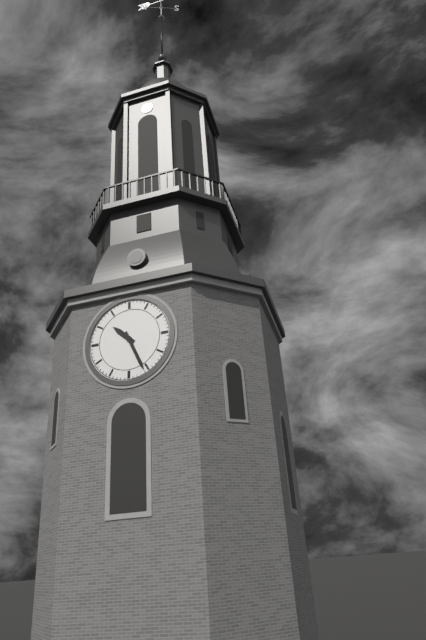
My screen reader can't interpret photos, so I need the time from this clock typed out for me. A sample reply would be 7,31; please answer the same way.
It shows 10,26
